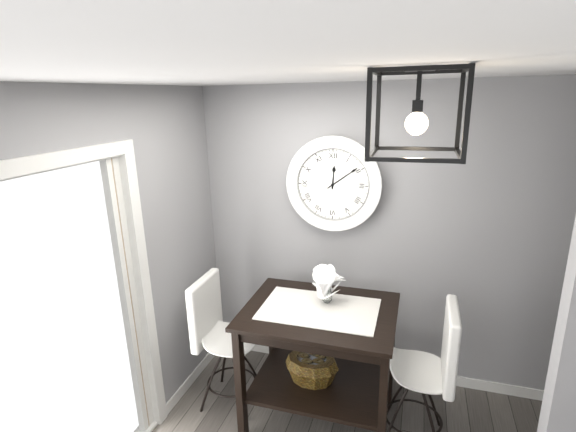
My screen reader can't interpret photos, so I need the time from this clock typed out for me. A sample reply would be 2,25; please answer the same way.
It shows 12,09
